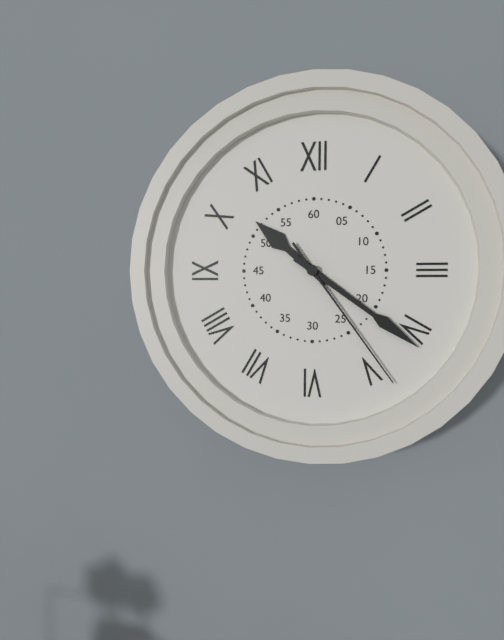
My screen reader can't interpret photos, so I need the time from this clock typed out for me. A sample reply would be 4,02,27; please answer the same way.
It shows 10,21,24
